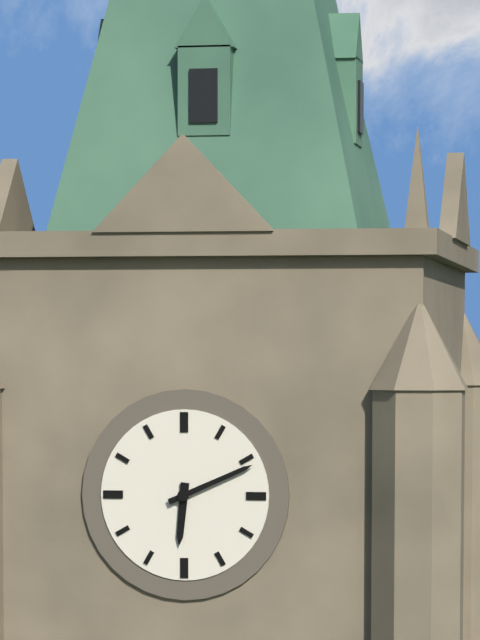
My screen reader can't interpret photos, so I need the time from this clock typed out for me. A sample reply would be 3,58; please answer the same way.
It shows 6,11
